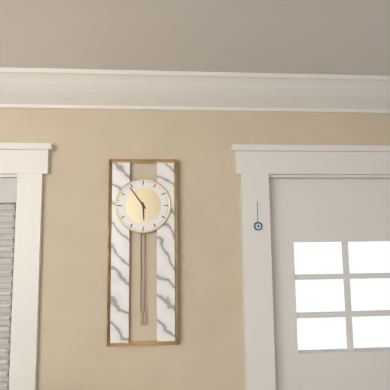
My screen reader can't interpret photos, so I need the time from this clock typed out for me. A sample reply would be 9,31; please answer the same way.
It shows 5,54
